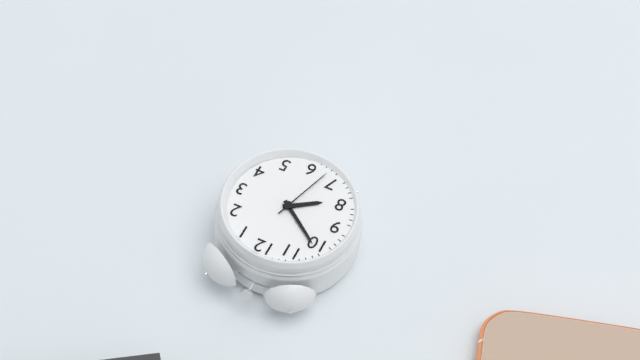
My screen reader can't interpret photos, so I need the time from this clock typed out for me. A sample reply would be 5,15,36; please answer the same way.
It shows 7,51,33
